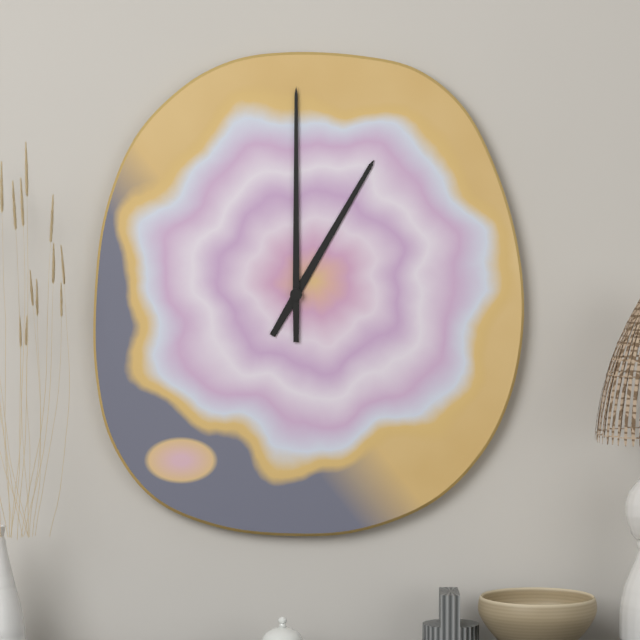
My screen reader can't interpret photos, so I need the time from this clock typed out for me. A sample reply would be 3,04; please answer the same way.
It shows 1,00
